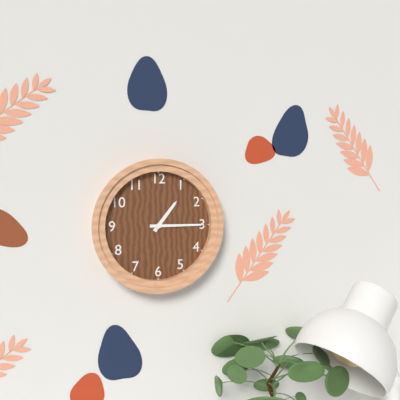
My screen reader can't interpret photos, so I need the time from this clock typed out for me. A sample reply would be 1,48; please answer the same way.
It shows 1,15
